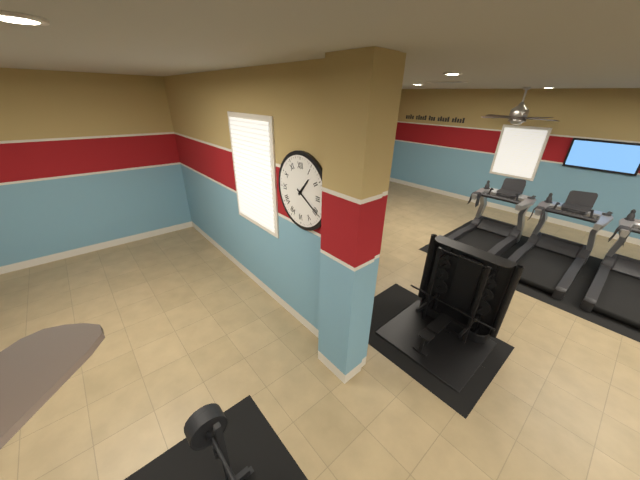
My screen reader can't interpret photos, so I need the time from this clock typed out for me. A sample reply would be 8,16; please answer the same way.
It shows 1,20
